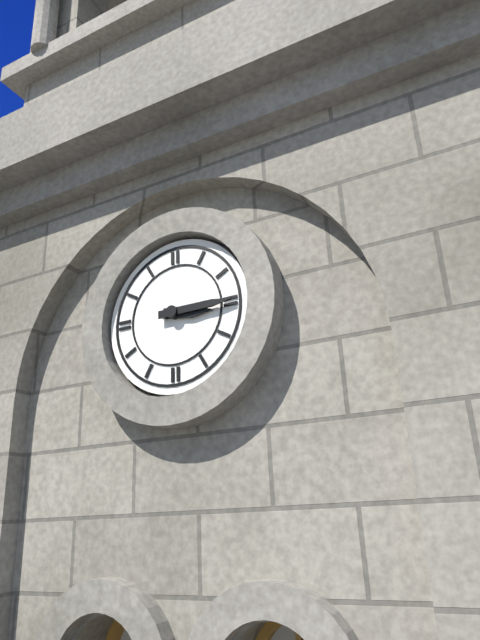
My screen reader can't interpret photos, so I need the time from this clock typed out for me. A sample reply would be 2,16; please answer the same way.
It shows 3,15
